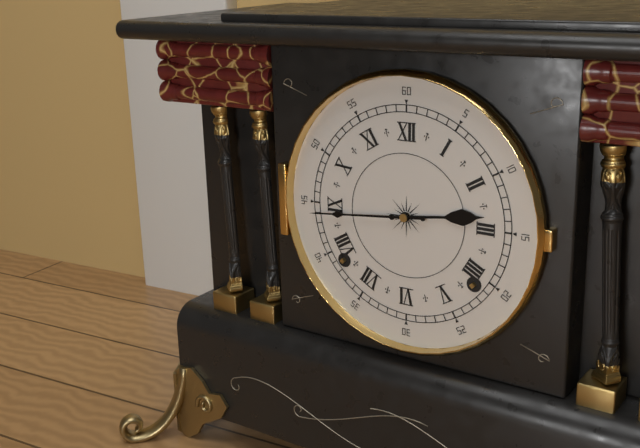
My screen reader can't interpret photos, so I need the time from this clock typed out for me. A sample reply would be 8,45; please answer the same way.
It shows 2,44
